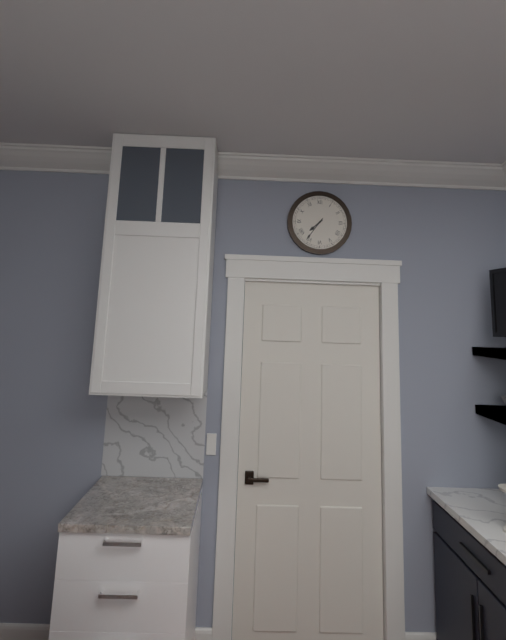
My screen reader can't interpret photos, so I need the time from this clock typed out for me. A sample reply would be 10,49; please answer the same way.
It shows 7,36
